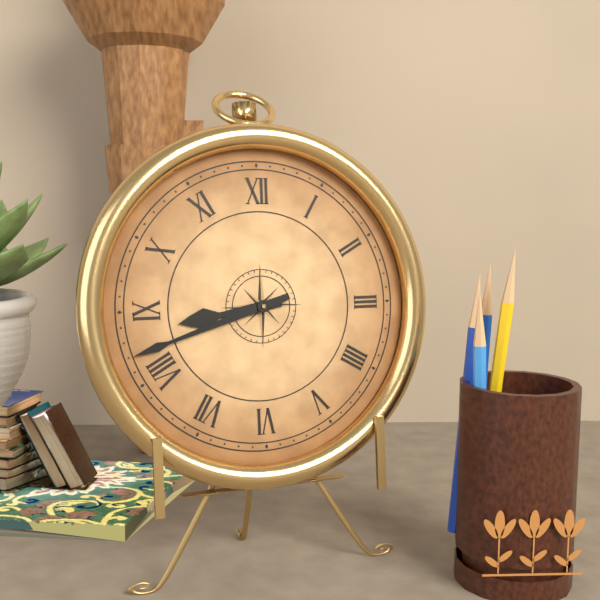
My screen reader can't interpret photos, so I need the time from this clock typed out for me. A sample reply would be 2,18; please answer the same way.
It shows 8,42
